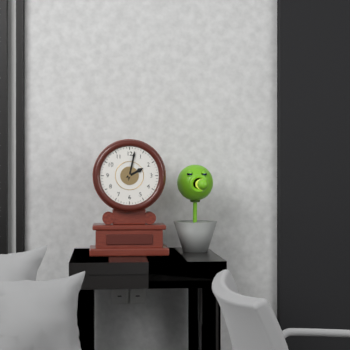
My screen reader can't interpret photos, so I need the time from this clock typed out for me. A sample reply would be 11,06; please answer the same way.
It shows 2,02
